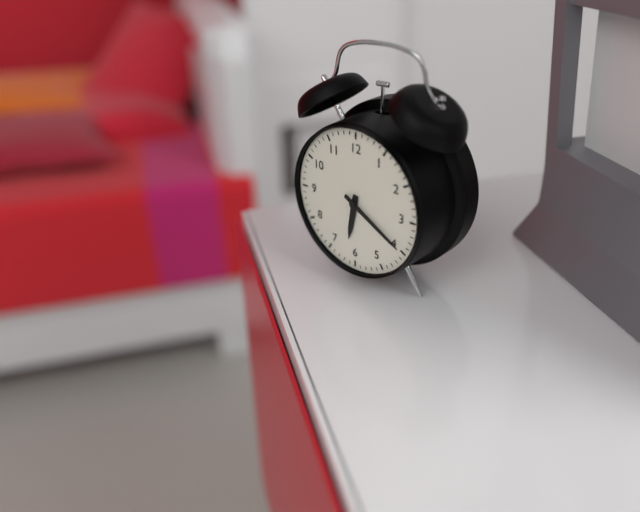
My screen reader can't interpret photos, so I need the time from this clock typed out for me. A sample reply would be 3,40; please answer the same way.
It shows 6,20
